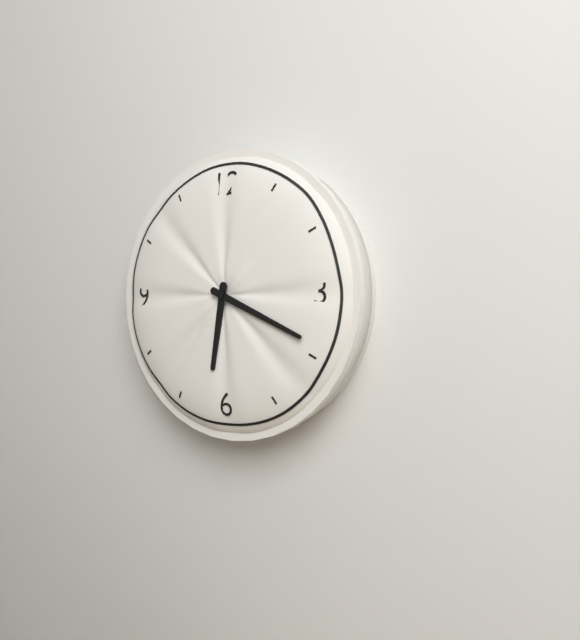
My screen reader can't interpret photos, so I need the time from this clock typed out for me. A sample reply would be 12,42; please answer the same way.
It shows 6,19
